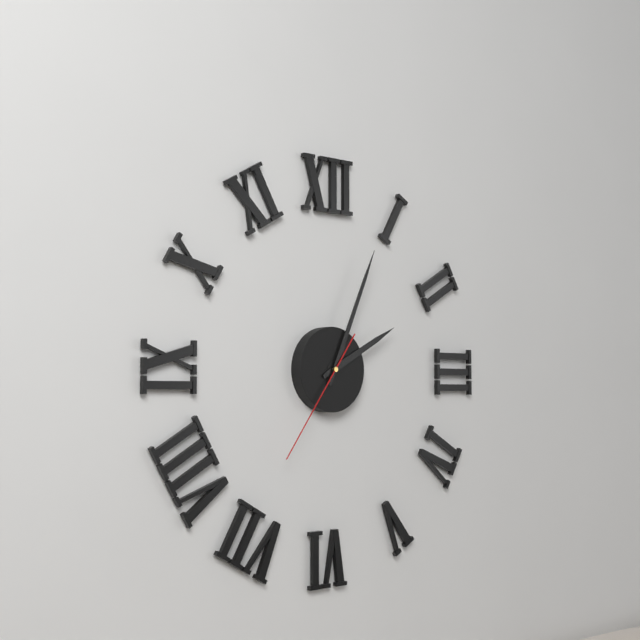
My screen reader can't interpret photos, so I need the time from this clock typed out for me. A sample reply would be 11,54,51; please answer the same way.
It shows 2,04,36
